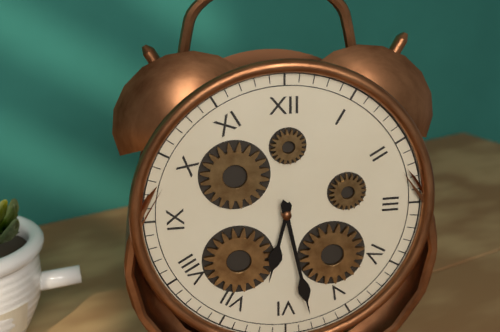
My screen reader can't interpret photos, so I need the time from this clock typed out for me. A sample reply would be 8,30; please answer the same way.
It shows 6,28
